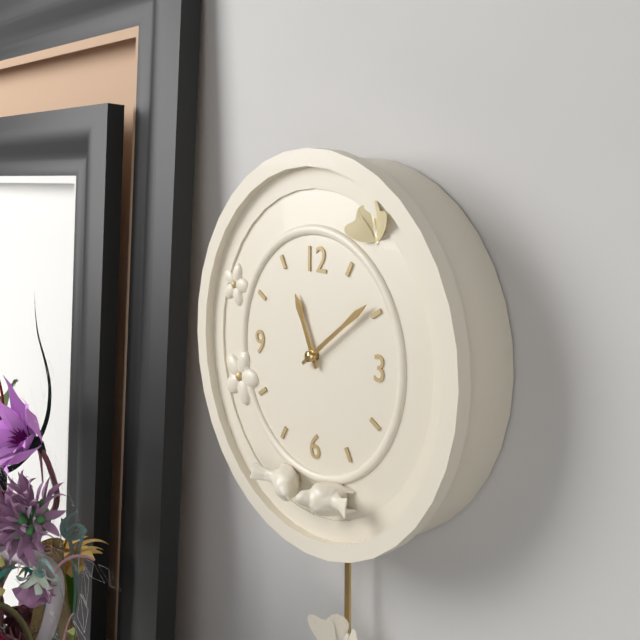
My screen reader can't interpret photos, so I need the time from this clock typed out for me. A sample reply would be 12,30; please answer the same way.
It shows 11,09
